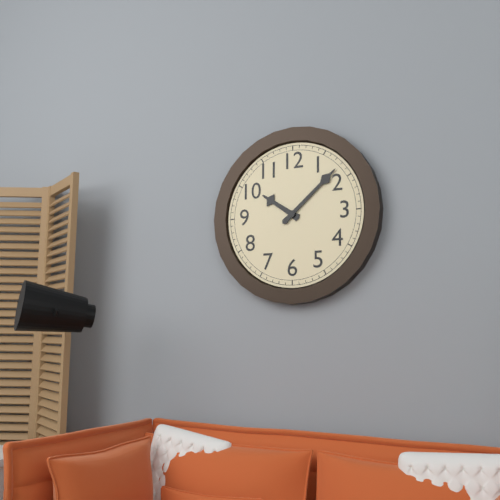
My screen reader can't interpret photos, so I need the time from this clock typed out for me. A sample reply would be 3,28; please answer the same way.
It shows 10,08
